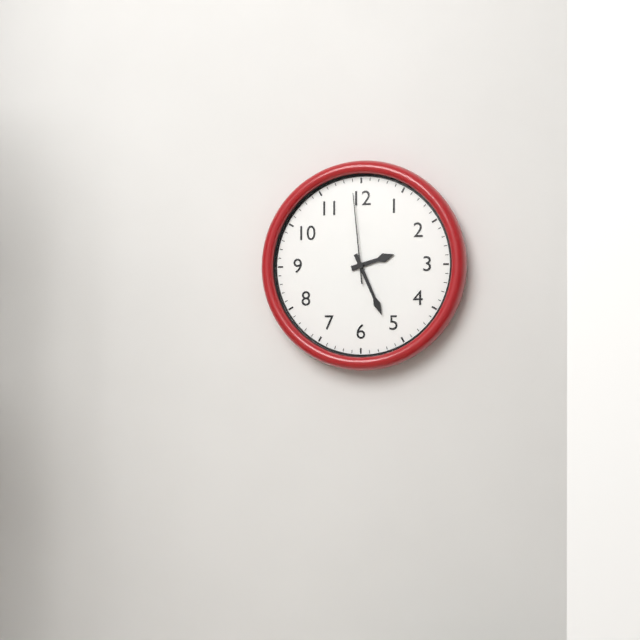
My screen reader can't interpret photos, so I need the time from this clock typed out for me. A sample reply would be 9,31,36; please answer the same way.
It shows 2,26,59
